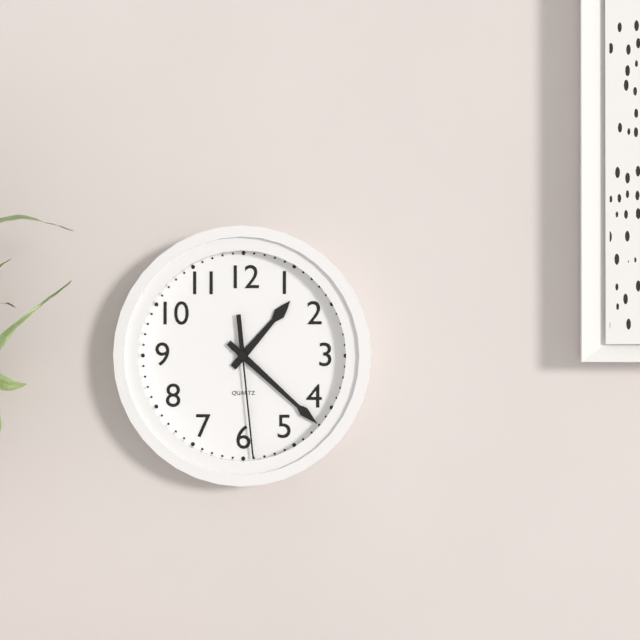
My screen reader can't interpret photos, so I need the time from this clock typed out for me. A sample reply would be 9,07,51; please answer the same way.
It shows 1,22,29
